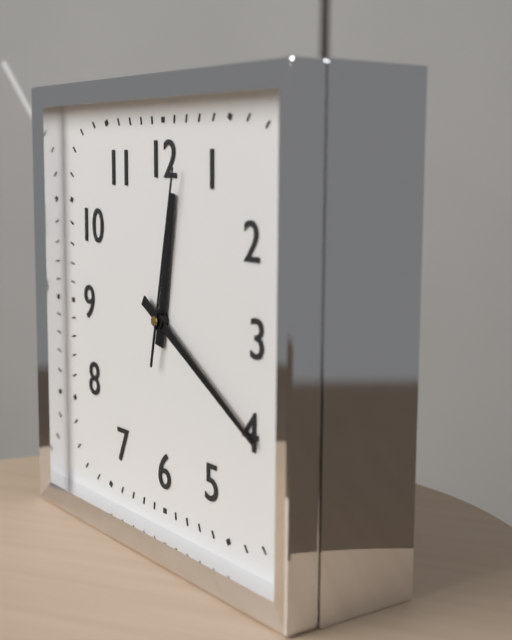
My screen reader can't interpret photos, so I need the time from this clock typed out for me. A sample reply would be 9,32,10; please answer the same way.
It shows 12,20,02
